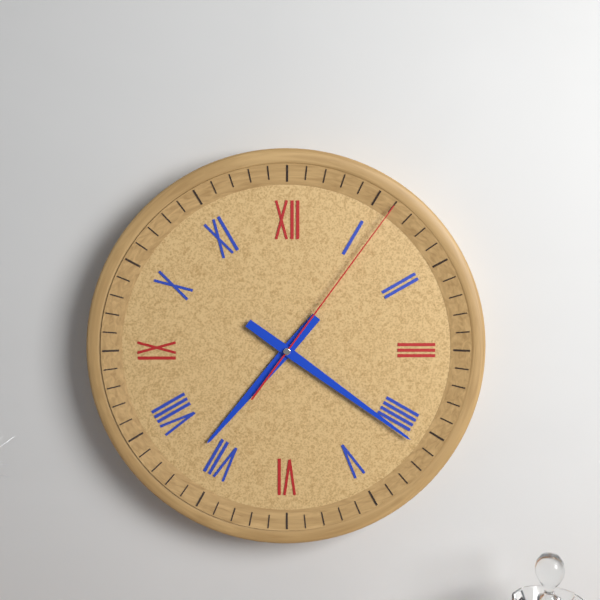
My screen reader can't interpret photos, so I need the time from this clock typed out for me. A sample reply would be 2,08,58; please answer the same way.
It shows 7,21,06
